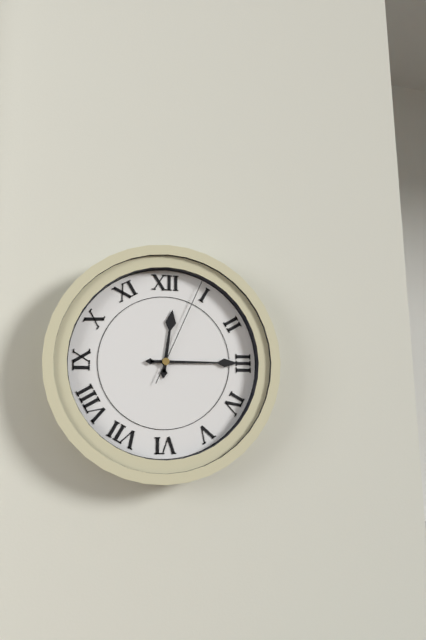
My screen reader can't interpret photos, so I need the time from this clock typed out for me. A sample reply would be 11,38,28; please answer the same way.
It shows 12,15,04
